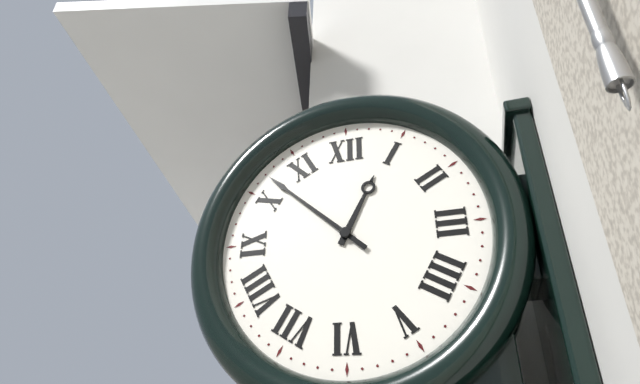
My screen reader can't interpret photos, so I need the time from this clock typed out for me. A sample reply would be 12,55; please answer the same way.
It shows 12,52
